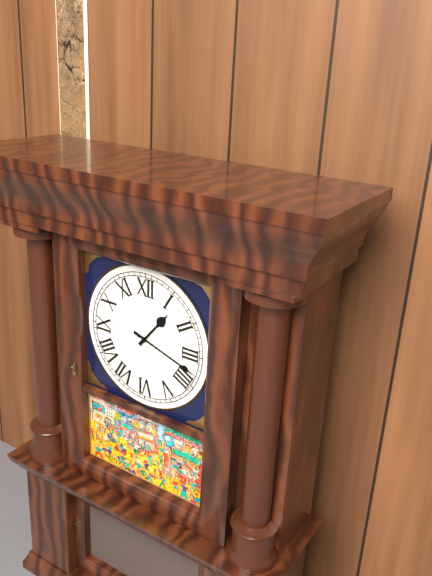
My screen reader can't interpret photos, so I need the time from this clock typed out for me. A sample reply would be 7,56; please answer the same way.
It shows 1,18
